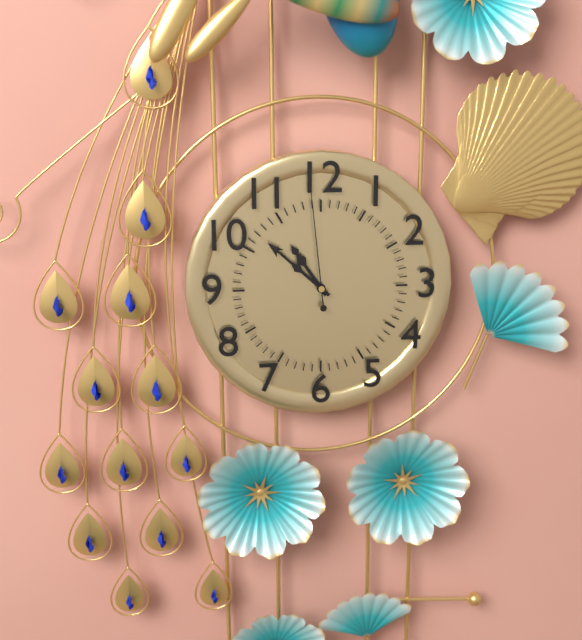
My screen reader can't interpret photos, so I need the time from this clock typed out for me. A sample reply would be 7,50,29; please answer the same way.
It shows 10,52,59
